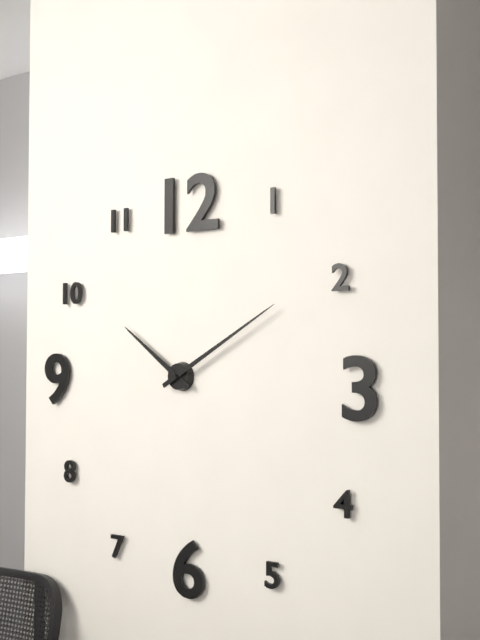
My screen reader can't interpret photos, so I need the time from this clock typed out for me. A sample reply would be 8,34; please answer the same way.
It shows 10,10
